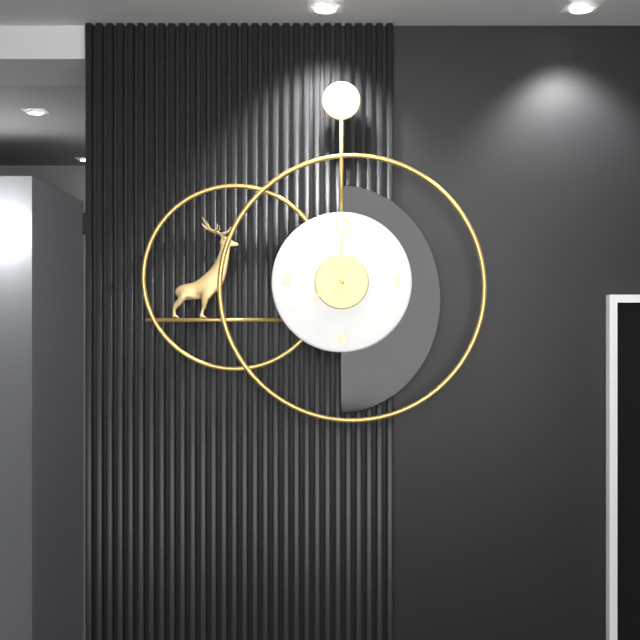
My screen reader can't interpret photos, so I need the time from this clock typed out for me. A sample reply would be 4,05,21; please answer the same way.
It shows 8,00,04
